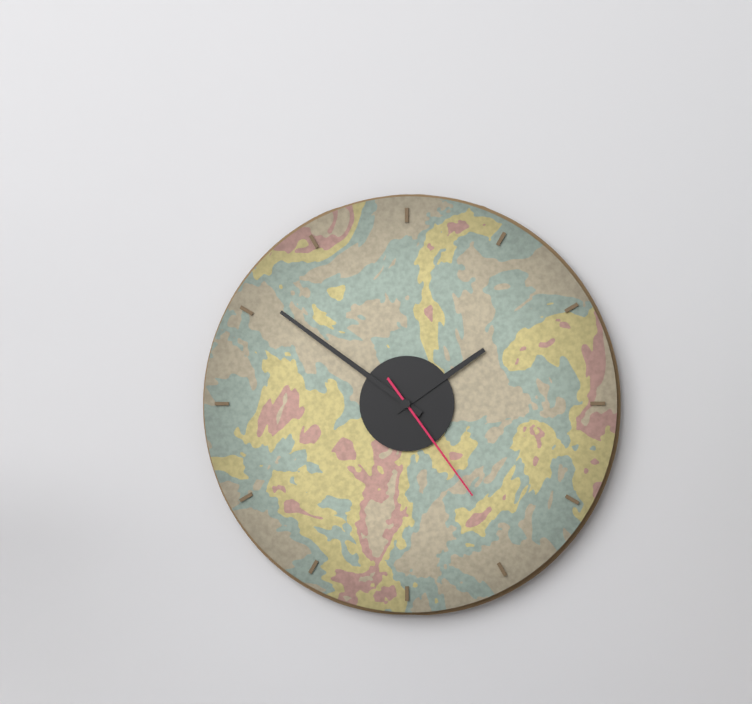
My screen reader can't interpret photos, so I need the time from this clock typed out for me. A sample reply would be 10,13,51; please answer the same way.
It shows 1,51,24
